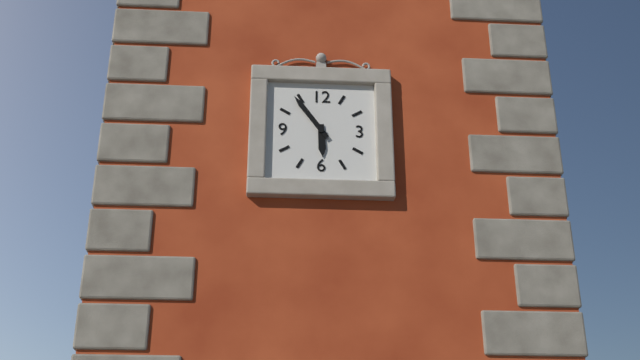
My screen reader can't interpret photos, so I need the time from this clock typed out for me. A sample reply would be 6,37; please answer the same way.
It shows 5,54
